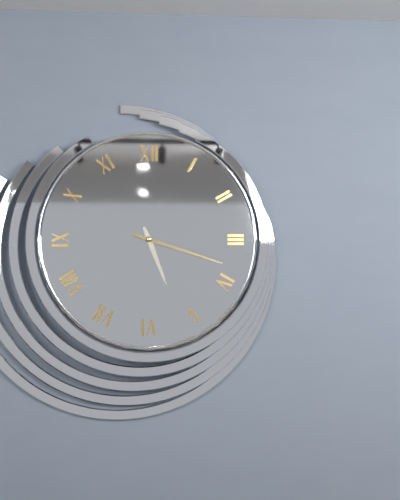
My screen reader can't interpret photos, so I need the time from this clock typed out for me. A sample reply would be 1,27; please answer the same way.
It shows 5,18
